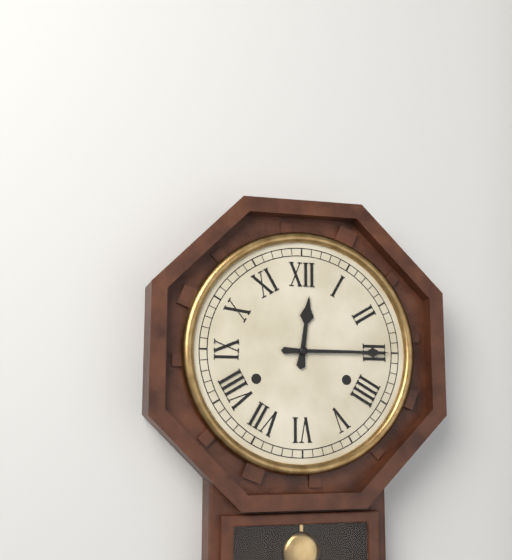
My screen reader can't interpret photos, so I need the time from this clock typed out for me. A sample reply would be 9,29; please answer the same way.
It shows 12,15
